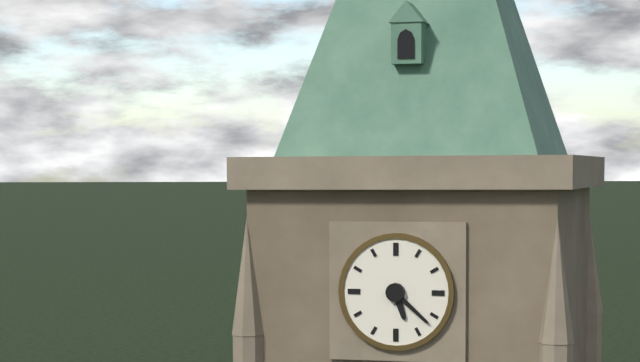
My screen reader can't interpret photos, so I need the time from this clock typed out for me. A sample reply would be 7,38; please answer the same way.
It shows 5,22
